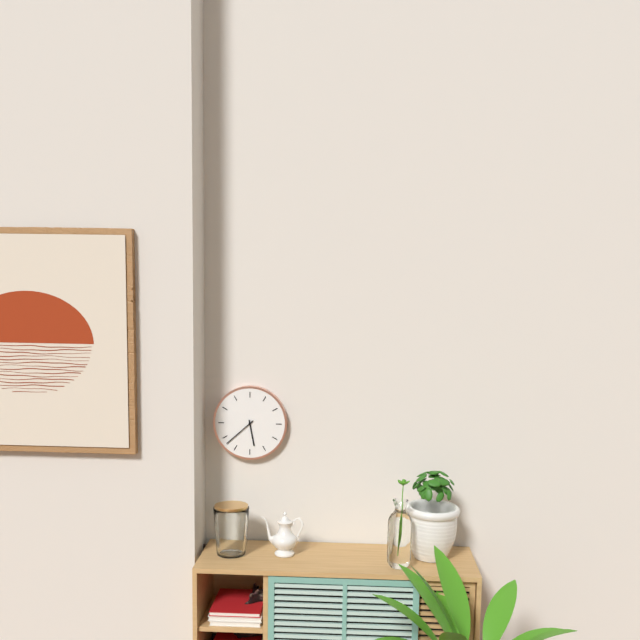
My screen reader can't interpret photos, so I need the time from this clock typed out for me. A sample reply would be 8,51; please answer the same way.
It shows 5,38
